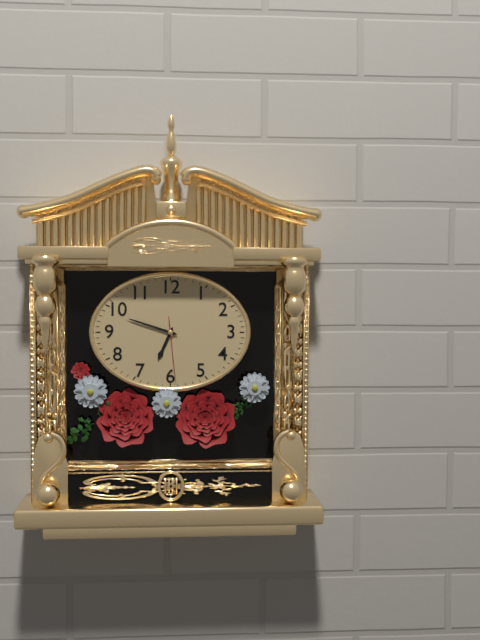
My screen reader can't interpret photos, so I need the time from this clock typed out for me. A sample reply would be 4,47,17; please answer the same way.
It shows 6,48,29
